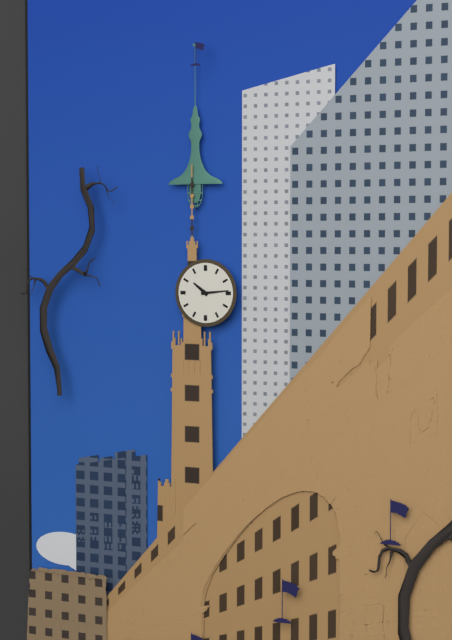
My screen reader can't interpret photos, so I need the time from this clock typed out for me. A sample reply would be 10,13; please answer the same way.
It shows 10,14
